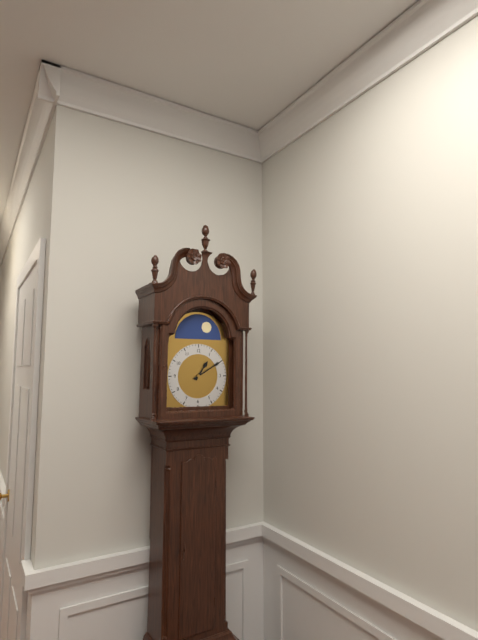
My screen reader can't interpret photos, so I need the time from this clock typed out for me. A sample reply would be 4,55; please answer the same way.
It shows 1,10
